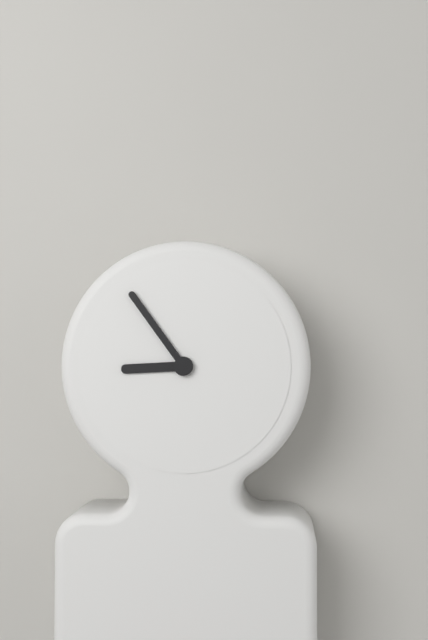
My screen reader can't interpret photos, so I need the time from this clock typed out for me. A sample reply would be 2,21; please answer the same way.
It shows 8,54
